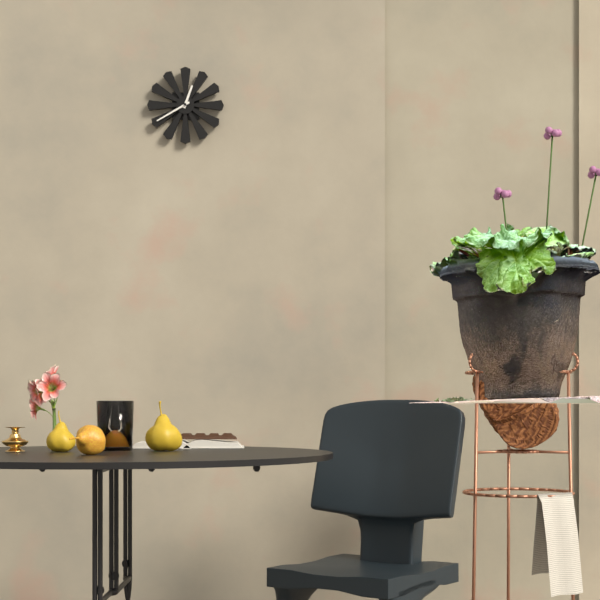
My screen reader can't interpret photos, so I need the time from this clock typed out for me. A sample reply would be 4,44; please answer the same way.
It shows 12,40
